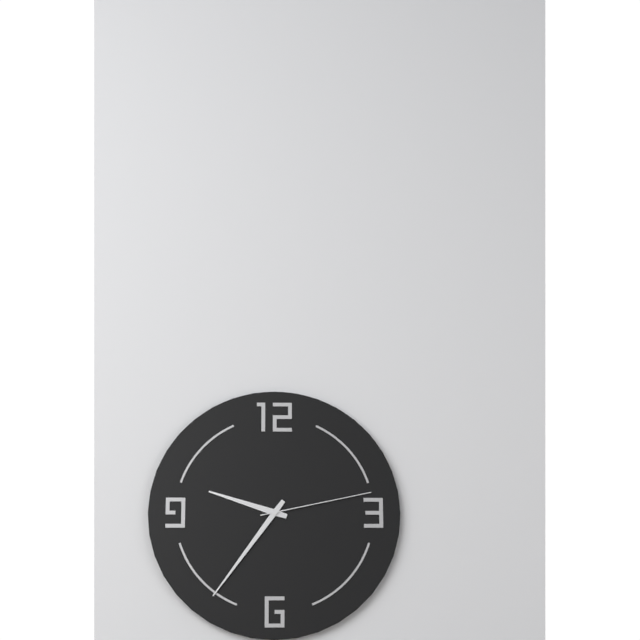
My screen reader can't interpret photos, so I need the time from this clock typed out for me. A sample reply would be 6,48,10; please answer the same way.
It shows 9,36,13
